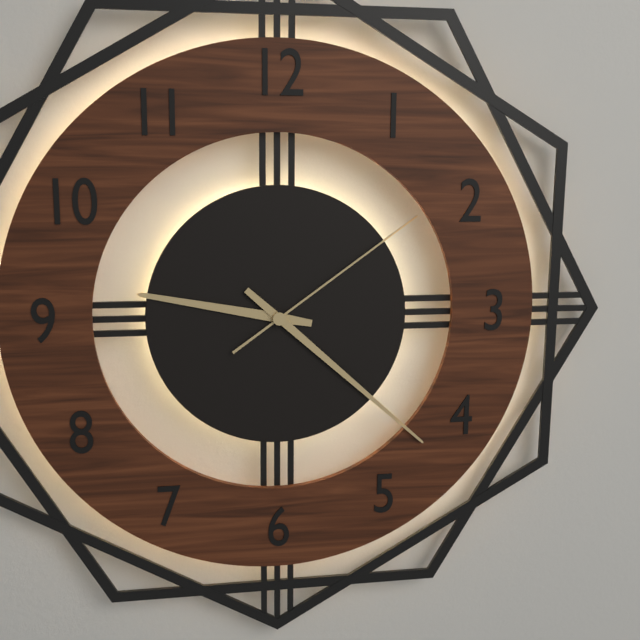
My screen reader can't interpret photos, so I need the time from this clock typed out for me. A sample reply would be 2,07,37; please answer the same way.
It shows 9,22,09
